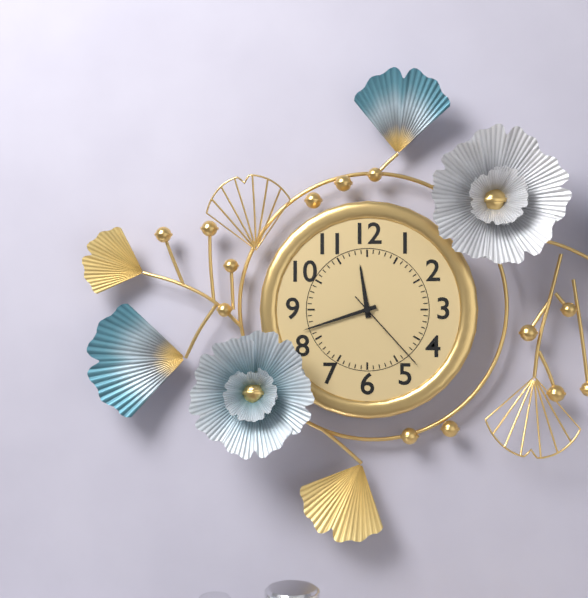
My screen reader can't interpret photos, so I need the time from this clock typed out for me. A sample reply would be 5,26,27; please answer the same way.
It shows 11,42,23
